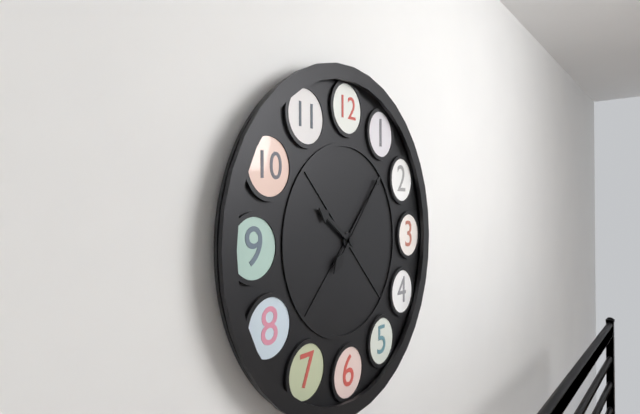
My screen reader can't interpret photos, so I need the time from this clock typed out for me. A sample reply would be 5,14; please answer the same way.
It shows 10,07
